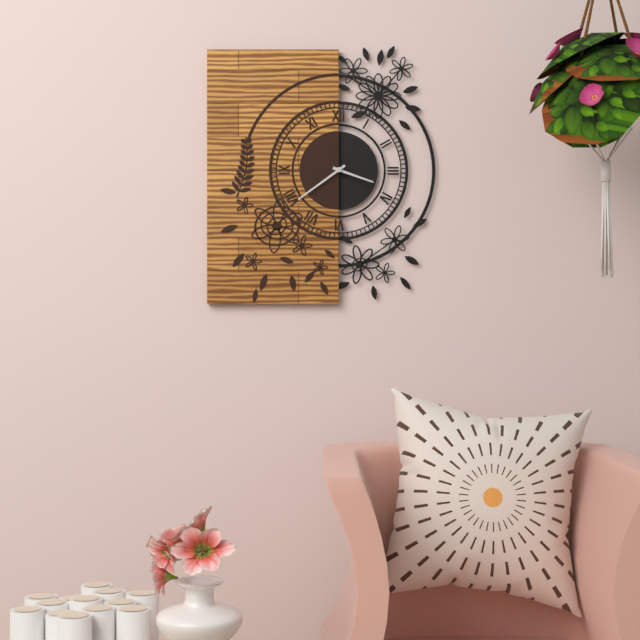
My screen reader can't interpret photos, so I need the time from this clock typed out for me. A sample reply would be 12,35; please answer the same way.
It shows 3,39
